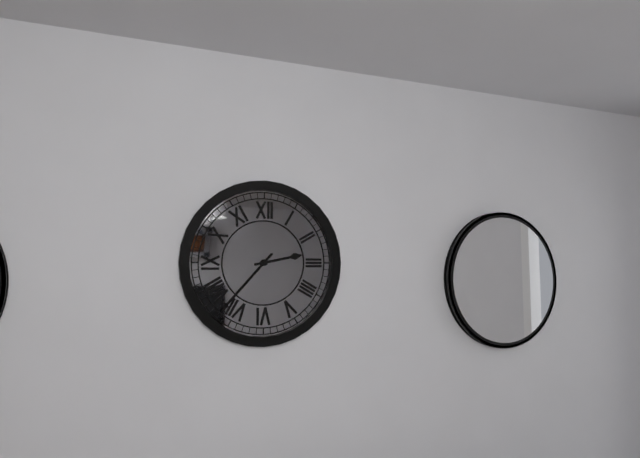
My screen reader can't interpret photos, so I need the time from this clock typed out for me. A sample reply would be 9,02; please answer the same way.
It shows 2,37
